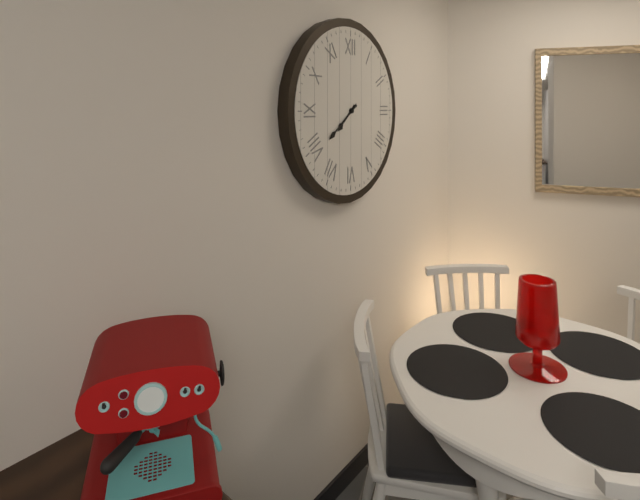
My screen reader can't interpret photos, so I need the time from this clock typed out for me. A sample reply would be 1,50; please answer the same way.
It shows 7,39
